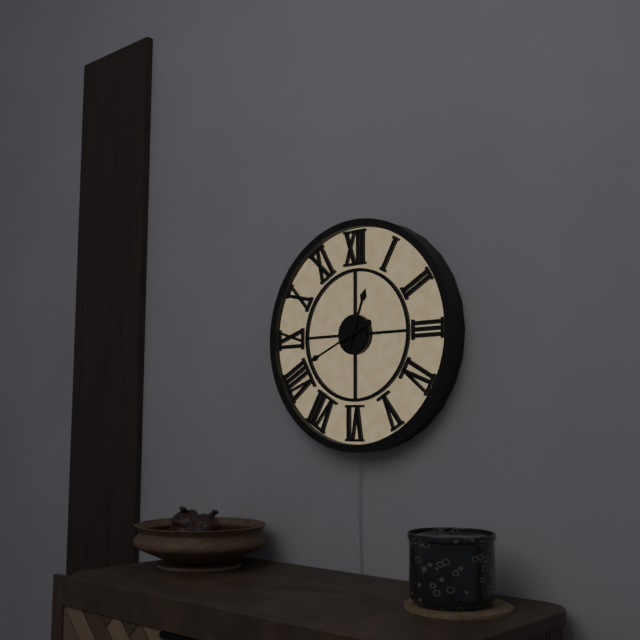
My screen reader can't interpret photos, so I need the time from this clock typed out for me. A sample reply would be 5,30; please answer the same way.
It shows 12,41
